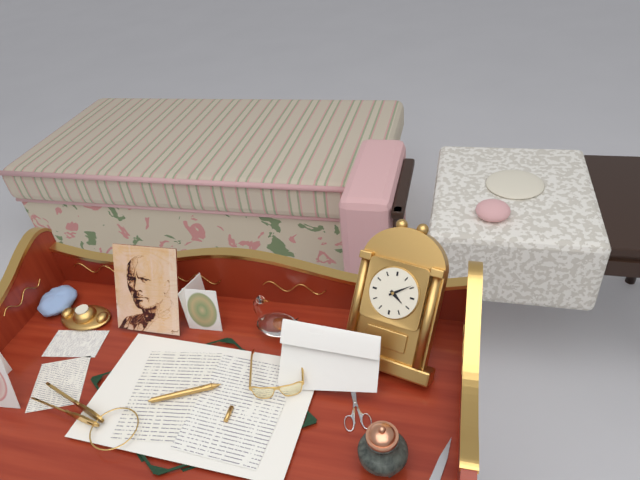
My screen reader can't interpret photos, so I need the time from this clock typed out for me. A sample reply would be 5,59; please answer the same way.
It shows 4,09
